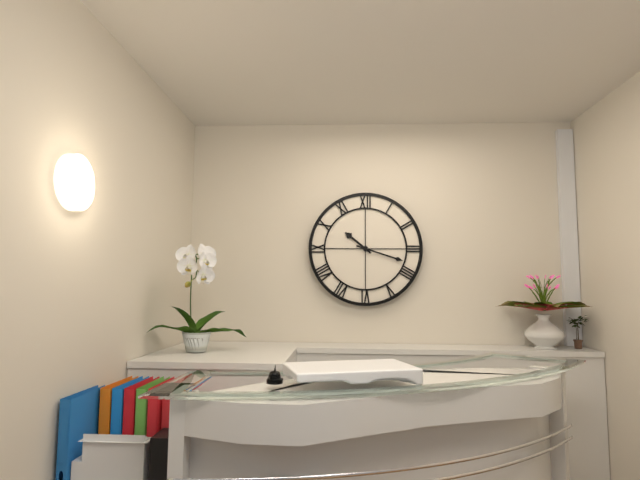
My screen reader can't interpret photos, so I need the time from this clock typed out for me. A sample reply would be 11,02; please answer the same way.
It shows 10,18
